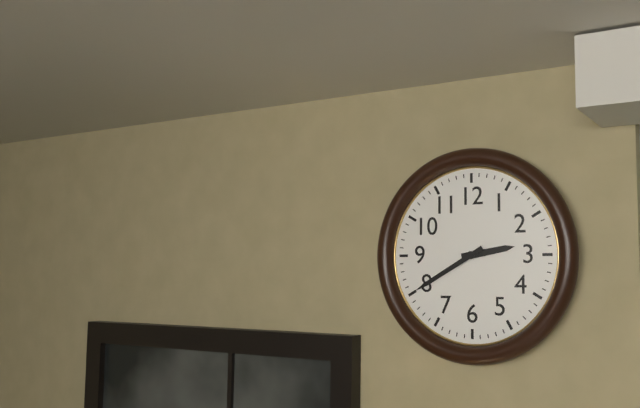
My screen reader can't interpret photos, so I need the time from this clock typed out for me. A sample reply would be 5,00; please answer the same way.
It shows 2,40
